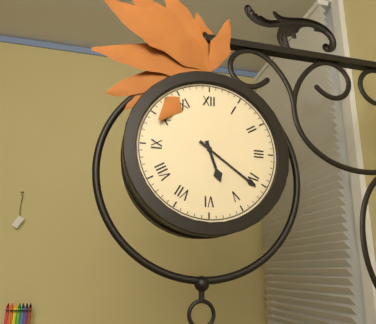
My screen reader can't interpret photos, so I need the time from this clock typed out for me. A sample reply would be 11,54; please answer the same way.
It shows 5,21
